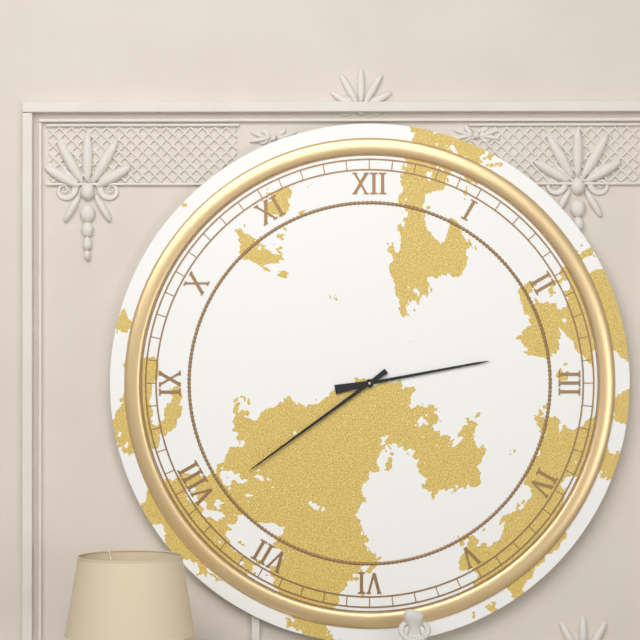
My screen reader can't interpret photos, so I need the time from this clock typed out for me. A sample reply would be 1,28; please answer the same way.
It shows 2,39
